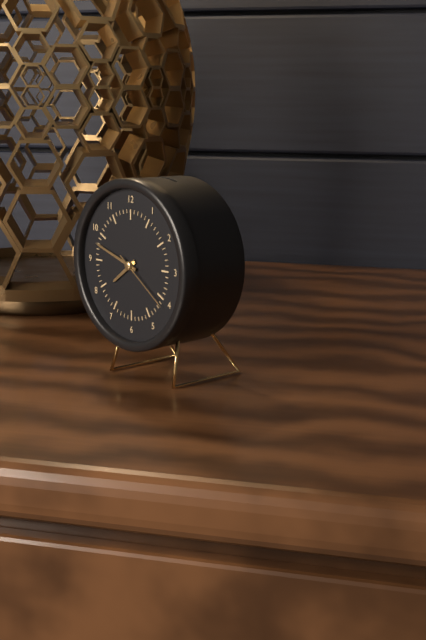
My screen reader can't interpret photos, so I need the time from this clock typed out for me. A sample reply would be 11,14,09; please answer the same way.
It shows 7,48,21
